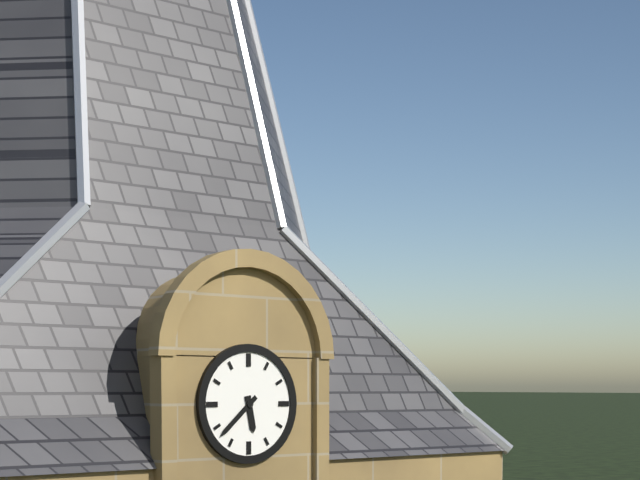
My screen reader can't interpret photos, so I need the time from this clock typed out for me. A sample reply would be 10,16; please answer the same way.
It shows 5,38
